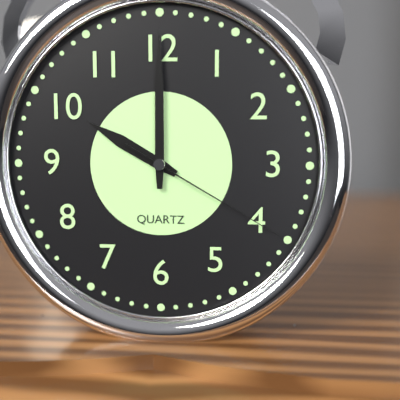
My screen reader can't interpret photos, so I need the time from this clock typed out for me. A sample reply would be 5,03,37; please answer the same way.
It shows 10,00,20
